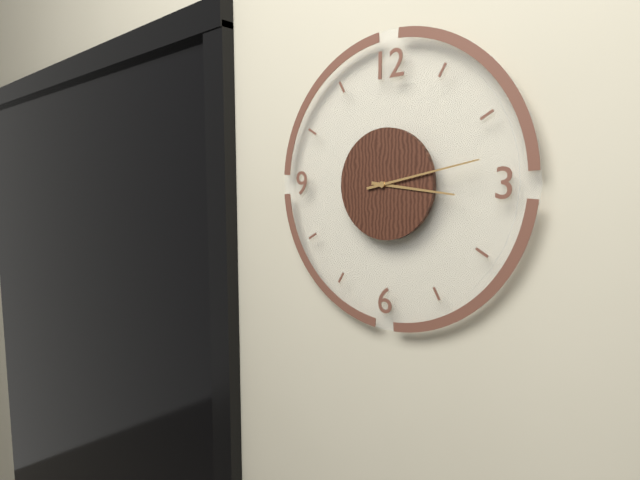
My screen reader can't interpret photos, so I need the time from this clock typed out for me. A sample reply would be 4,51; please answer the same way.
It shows 3,13
